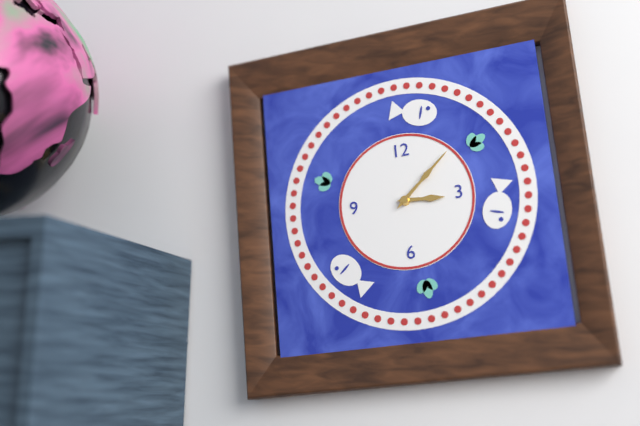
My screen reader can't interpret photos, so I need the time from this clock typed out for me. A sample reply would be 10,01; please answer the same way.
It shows 3,08
